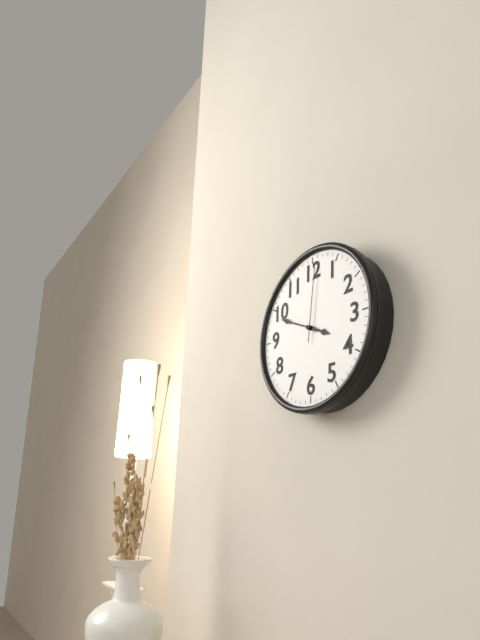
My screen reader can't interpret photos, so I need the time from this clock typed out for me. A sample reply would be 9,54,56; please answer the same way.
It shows 3,49,01
